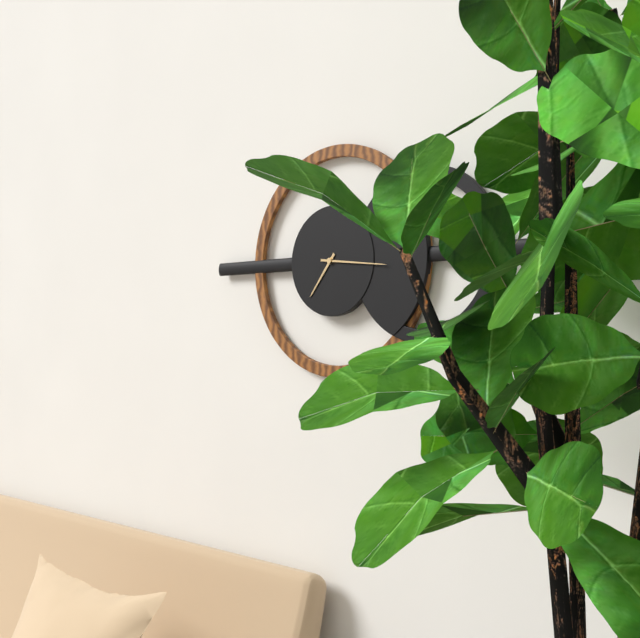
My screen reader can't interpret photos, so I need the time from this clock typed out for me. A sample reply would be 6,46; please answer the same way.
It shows 7,16
